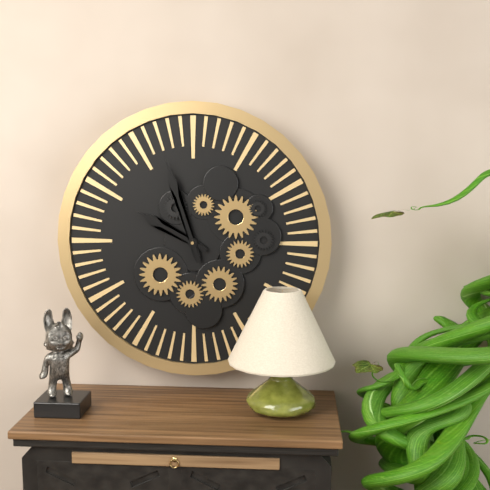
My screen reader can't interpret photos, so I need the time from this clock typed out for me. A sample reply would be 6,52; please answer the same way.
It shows 9,57
